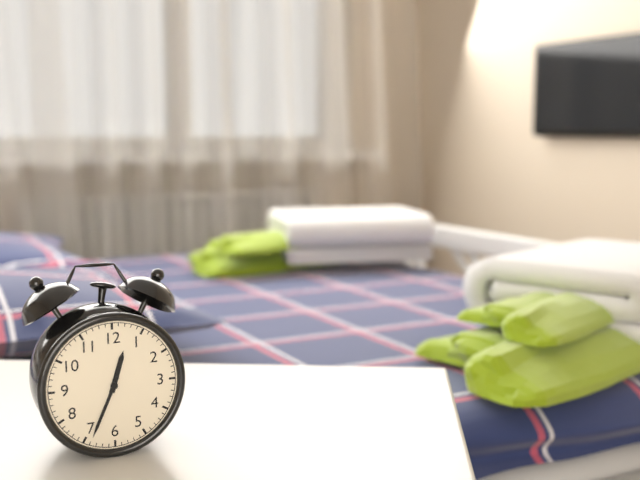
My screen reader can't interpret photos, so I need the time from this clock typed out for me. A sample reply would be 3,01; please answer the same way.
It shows 12,34
